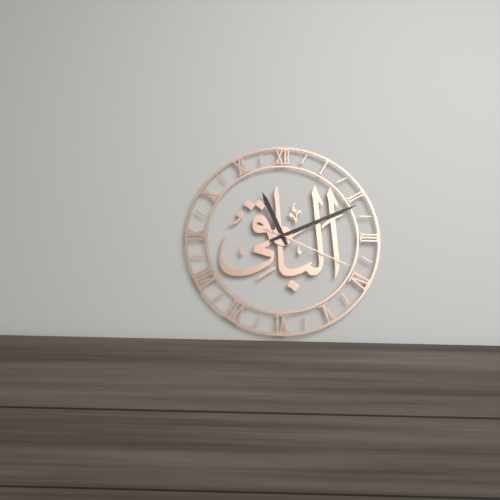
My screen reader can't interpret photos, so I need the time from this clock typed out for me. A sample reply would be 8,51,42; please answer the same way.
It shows 11,11,19
